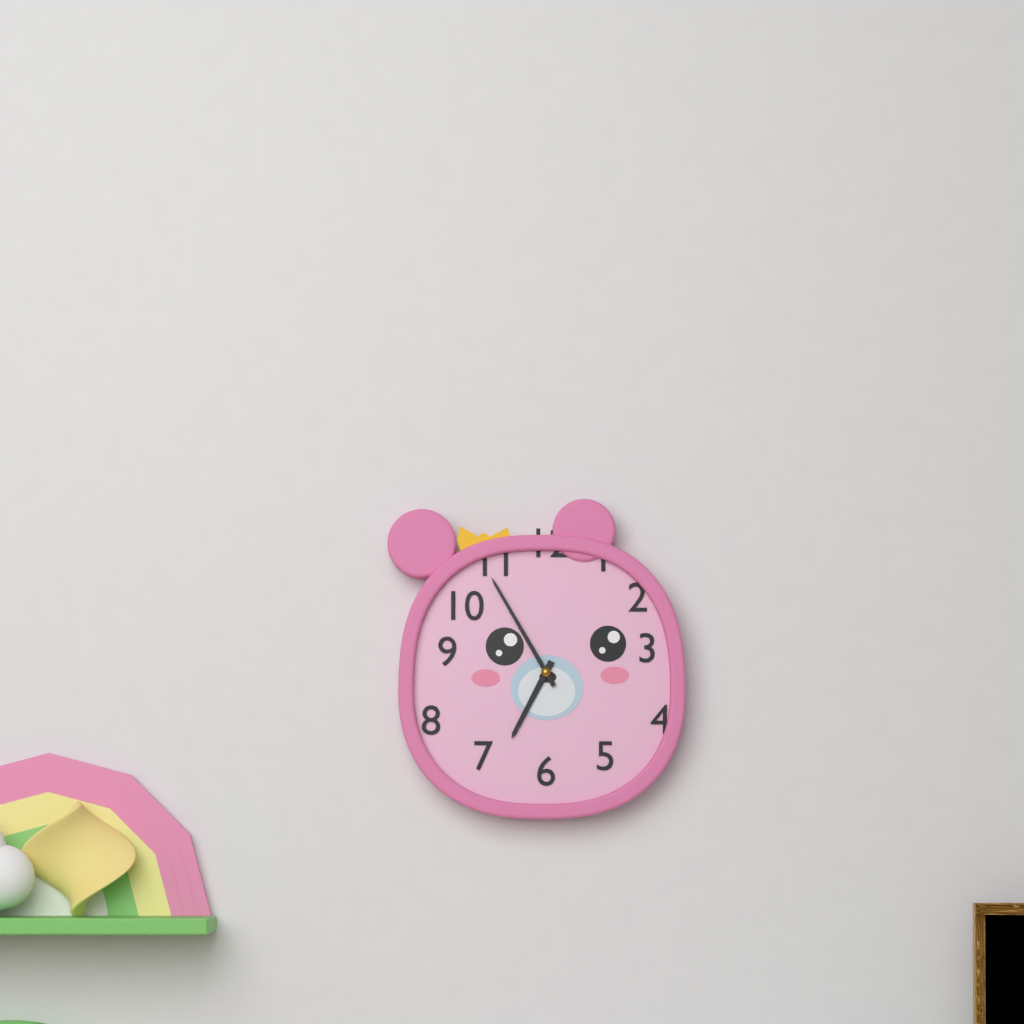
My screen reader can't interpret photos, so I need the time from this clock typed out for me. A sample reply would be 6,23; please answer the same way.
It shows 6,55
